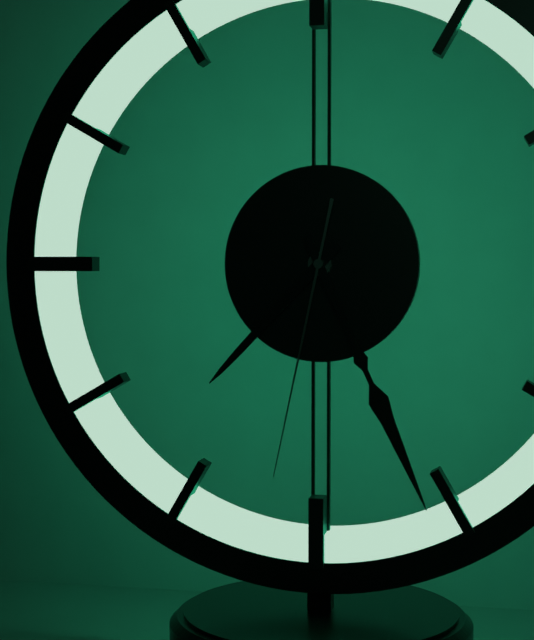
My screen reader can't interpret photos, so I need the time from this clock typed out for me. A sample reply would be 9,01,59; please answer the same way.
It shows 7,26,32
